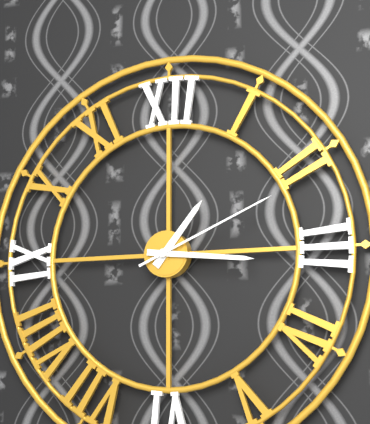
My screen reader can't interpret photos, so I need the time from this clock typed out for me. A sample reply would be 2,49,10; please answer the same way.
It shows 1,16,11
